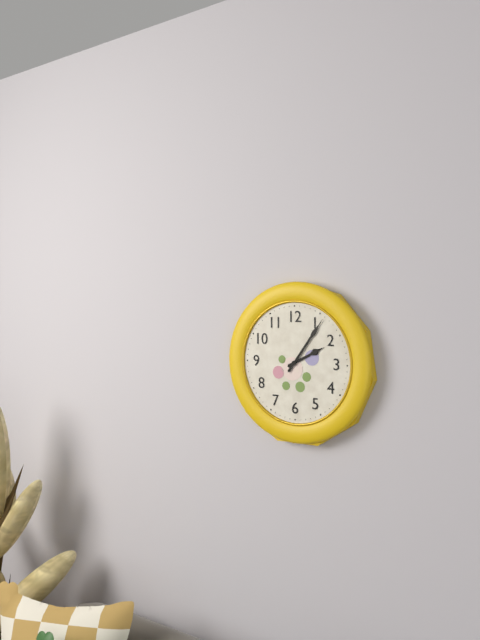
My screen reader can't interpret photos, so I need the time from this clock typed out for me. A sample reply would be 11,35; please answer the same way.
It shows 2,06
